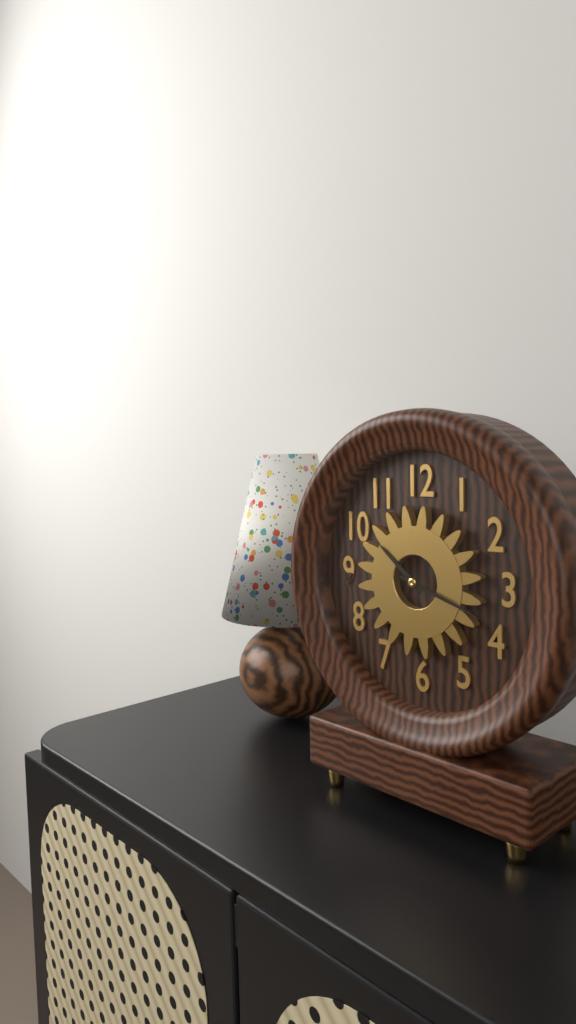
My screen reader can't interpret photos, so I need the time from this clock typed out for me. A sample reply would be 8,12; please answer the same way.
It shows 10,18
